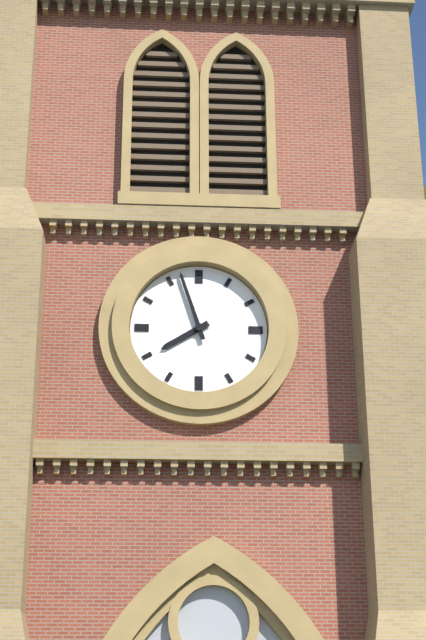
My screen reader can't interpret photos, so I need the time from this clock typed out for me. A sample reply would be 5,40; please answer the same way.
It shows 7,57
